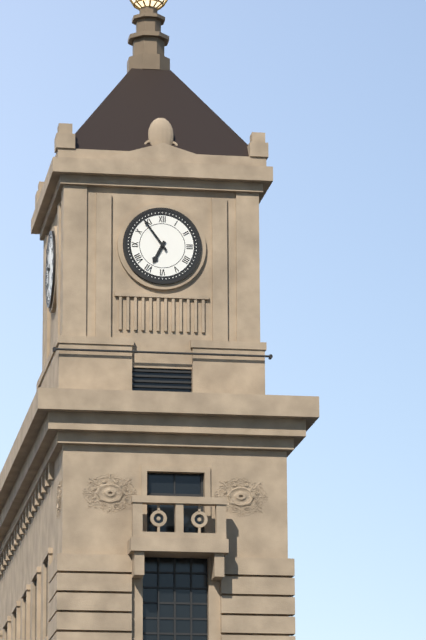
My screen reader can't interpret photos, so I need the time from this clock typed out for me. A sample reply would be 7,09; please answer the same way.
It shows 6,54
